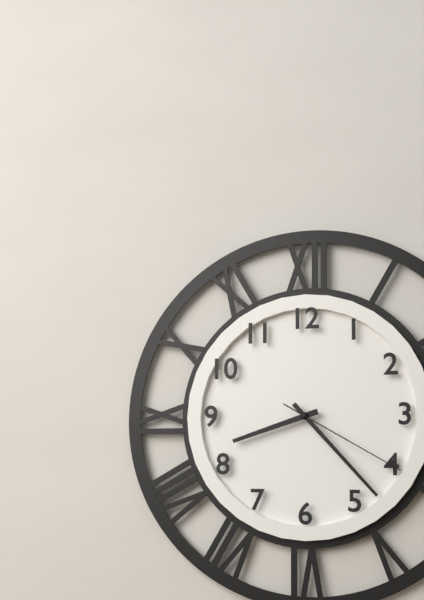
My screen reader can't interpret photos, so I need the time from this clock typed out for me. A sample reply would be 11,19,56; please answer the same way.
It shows 8,23,20
